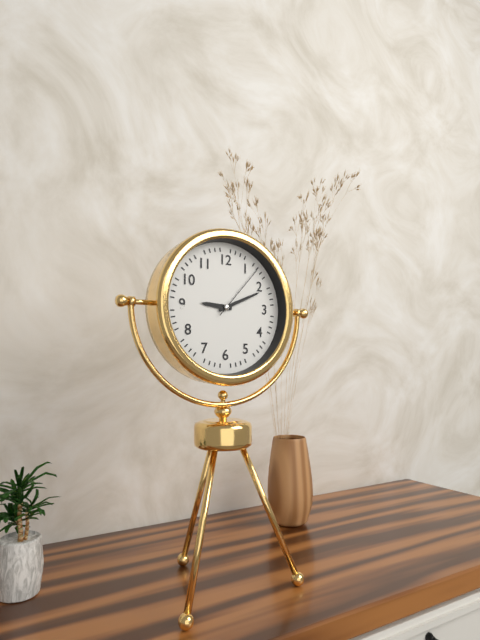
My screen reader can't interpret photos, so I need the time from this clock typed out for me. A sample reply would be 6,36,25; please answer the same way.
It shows 9,11,07
